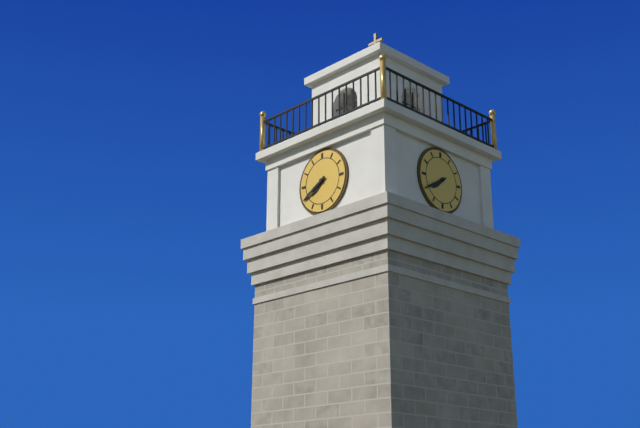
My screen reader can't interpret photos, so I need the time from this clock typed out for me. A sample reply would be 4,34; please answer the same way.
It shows 7,40
